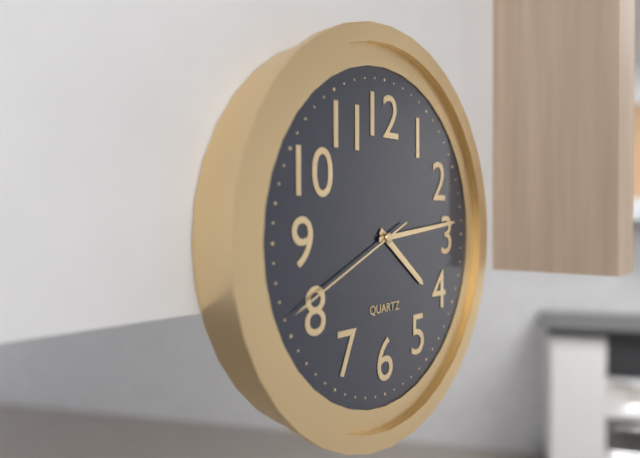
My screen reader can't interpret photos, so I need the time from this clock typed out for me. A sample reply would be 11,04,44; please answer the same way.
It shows 4,14,41
